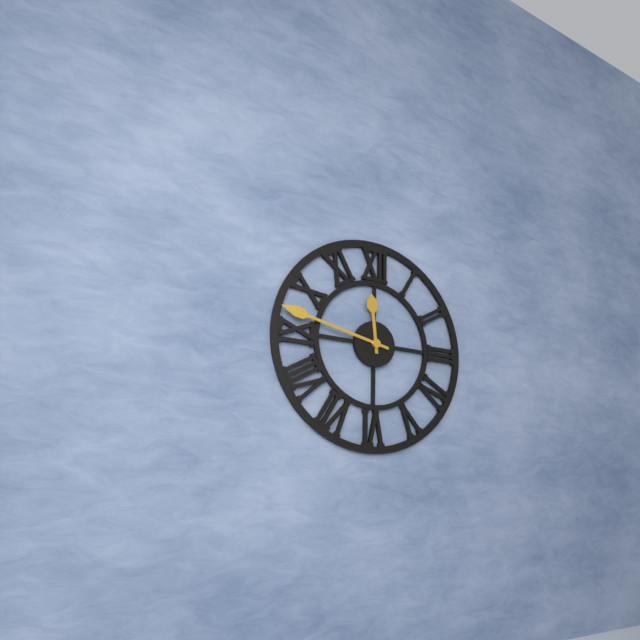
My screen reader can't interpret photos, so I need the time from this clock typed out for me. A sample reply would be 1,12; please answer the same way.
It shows 11,47
